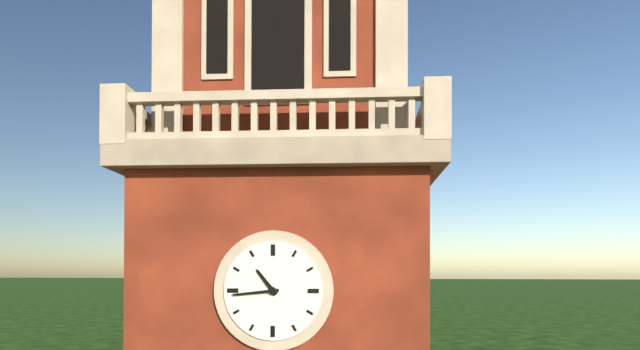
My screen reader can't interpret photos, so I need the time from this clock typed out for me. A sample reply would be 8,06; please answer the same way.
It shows 10,44
